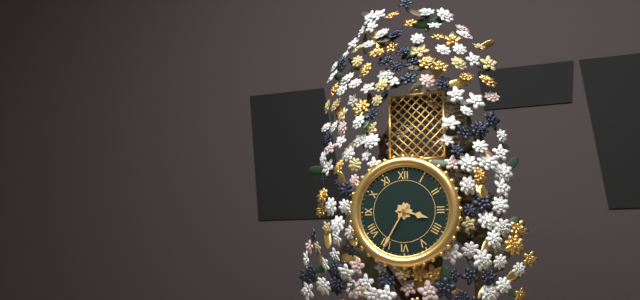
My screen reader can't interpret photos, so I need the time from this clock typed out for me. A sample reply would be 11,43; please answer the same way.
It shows 3,35
